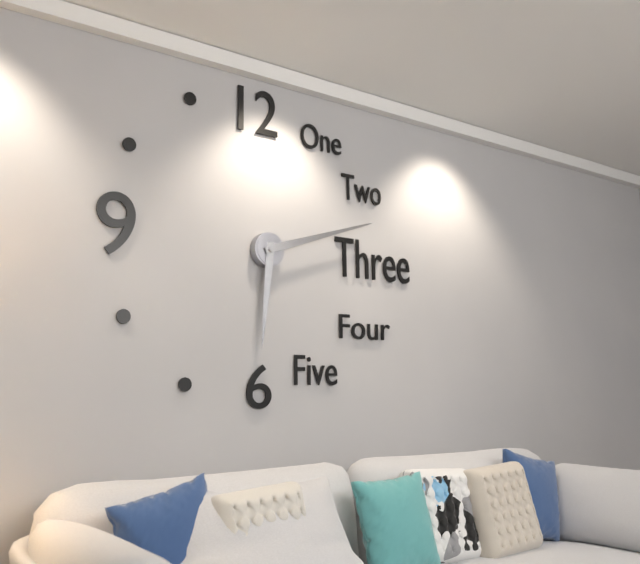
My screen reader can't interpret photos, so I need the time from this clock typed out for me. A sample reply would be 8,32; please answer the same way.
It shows 6,12
